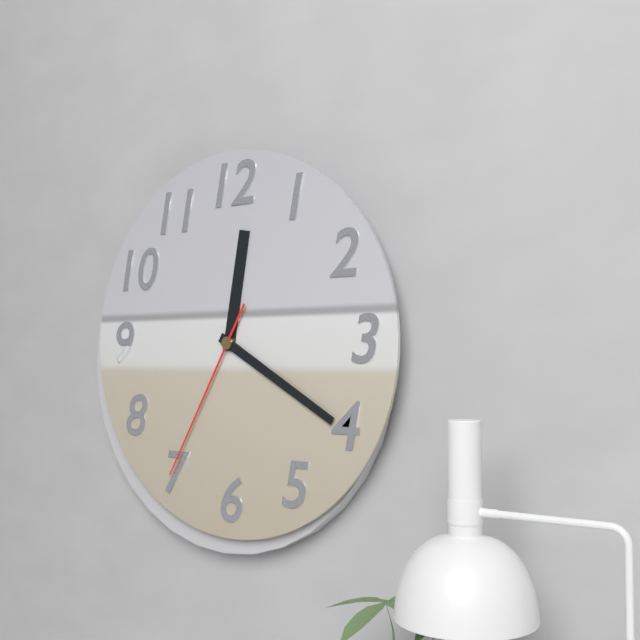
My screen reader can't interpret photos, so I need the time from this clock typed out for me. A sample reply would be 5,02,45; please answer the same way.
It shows 12,20,35
